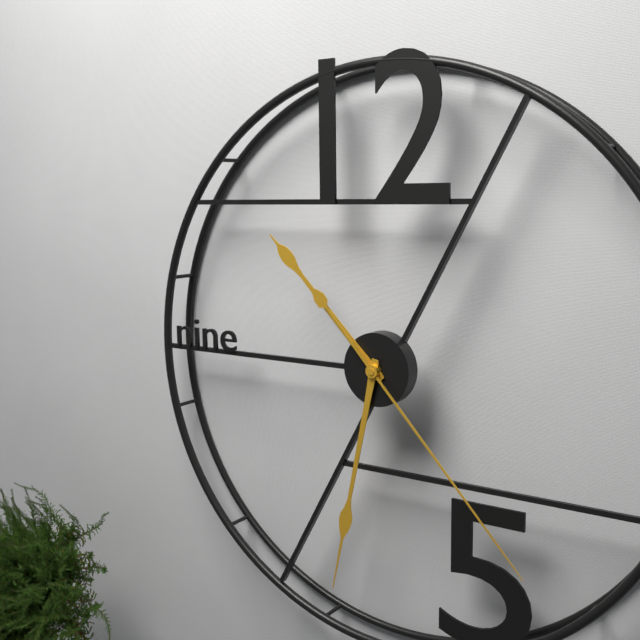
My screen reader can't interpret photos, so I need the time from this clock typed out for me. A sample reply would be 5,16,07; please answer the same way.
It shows 10,32,23
